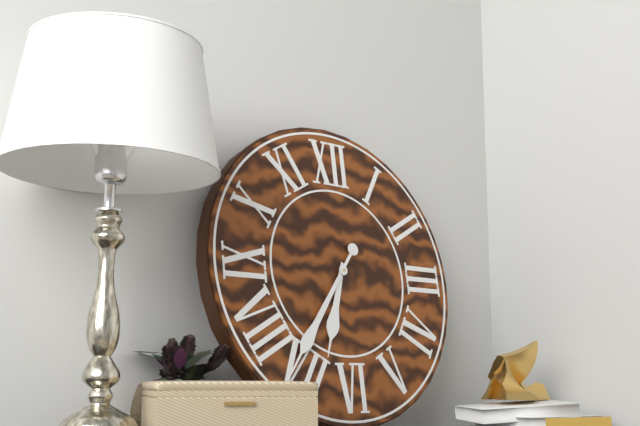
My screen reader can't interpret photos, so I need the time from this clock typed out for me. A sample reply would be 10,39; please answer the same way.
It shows 6,36
